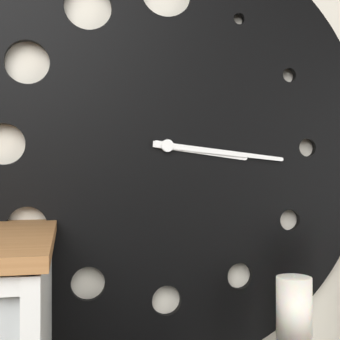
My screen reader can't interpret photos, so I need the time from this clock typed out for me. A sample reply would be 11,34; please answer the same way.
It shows 3,16
